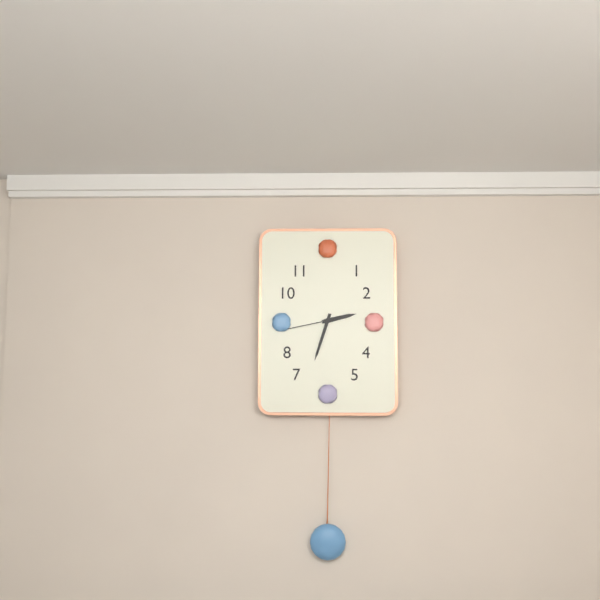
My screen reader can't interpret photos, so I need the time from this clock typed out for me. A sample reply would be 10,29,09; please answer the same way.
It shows 2,33,43
